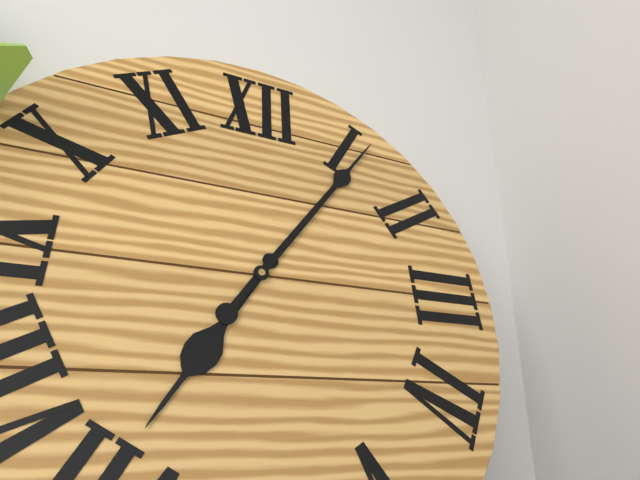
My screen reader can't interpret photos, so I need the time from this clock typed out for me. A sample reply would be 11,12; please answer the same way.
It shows 7,06
